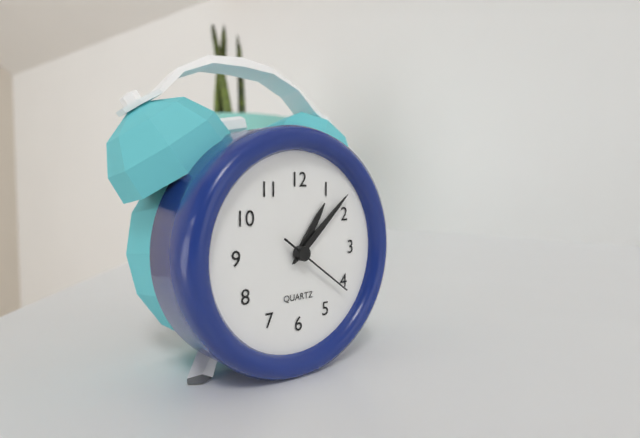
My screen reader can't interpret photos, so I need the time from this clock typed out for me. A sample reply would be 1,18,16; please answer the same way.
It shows 1,08,21
